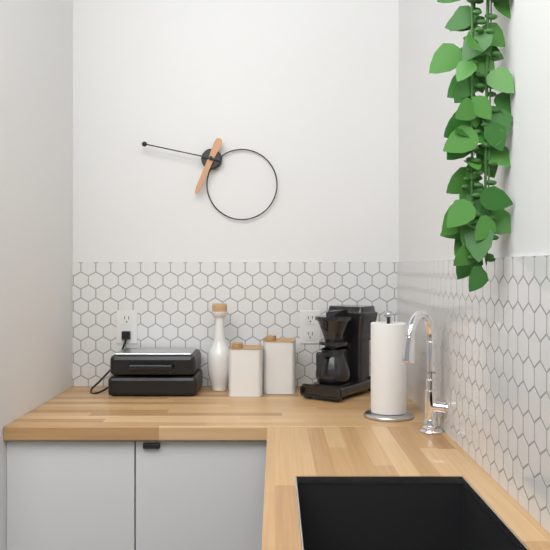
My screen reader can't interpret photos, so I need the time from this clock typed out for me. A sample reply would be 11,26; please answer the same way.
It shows 6,47
